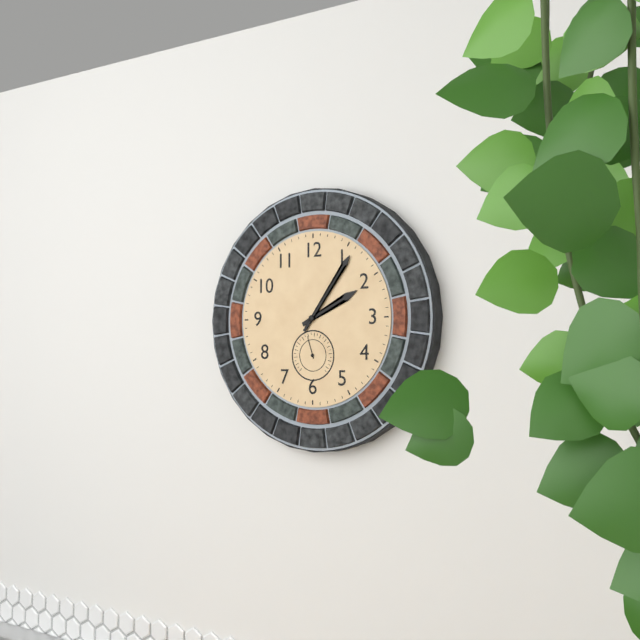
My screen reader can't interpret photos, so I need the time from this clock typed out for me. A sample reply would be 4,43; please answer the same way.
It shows 2,06
